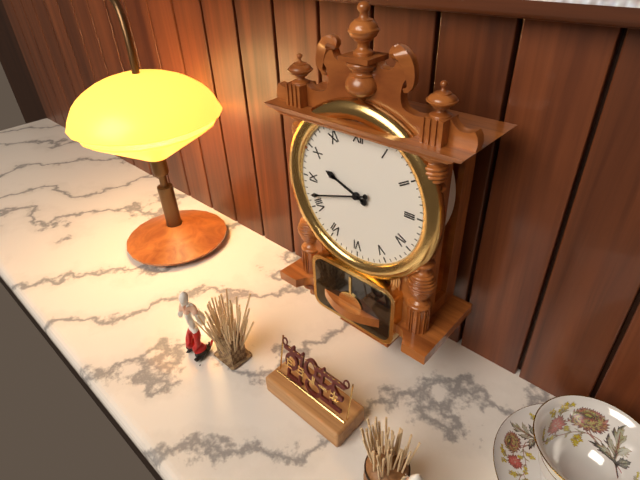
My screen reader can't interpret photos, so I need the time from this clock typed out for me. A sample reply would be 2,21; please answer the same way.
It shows 9,42
